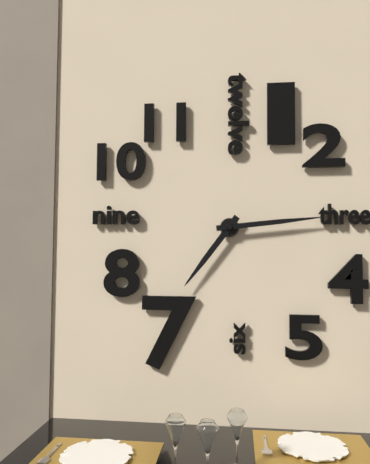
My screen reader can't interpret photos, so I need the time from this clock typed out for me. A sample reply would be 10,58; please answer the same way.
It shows 7,14
